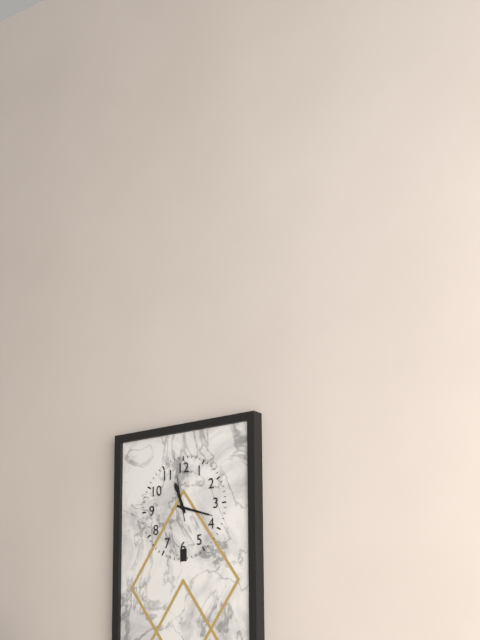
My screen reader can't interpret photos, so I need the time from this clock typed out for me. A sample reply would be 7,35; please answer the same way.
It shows 11,18
